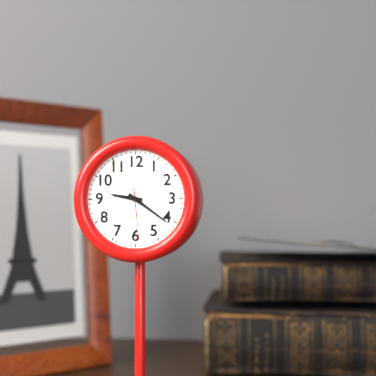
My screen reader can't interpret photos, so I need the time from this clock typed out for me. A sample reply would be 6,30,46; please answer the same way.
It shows 9,21,29
